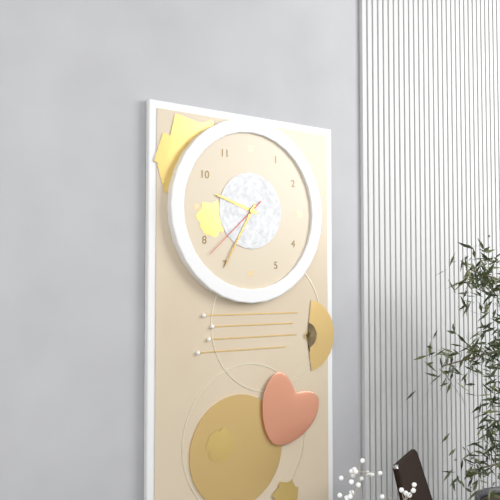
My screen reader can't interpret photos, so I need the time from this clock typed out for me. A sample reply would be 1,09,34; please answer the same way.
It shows 9,35,38
